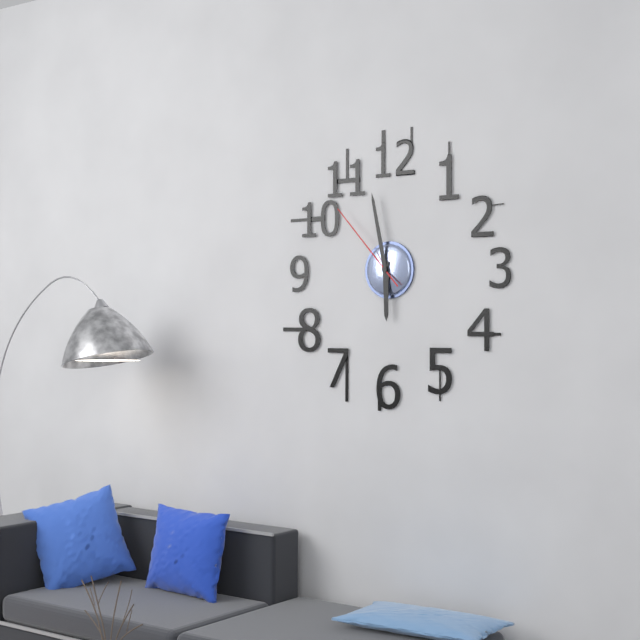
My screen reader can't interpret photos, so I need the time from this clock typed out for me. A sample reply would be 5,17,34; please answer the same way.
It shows 5,58,53
